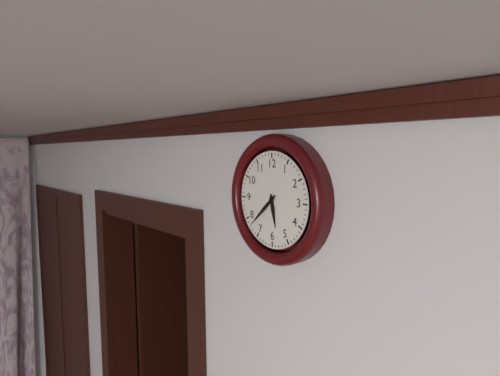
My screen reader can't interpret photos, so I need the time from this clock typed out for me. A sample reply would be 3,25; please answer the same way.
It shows 5,38
